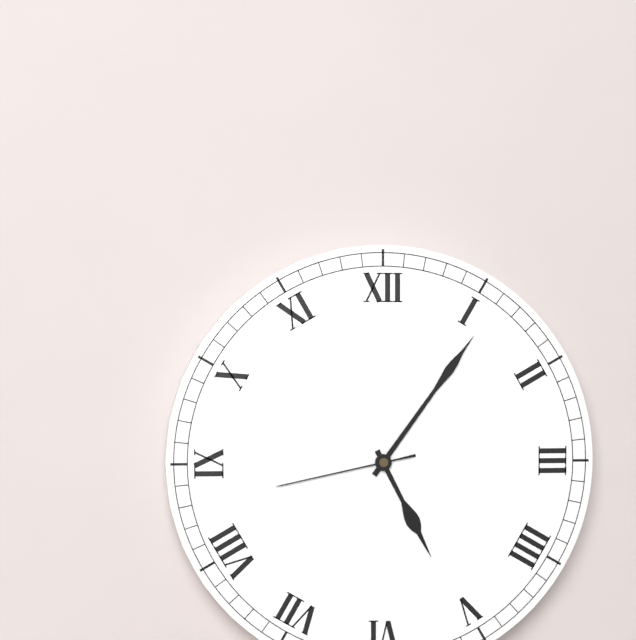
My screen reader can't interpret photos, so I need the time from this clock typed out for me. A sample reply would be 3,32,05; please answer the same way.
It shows 5,06,43
